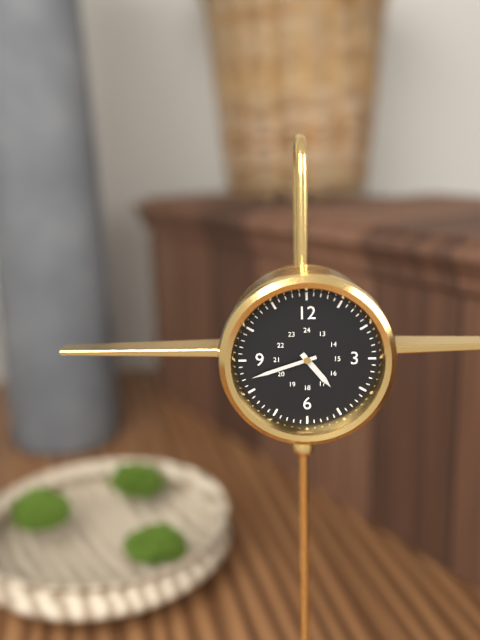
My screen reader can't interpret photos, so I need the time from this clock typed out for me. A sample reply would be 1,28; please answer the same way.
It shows 4,42
